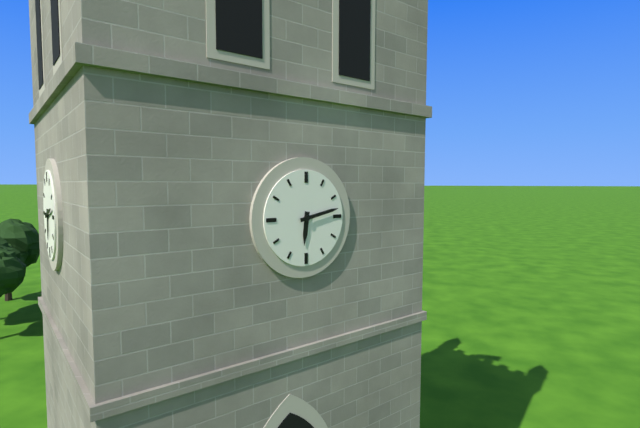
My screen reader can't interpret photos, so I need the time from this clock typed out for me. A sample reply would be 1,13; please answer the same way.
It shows 6,13
